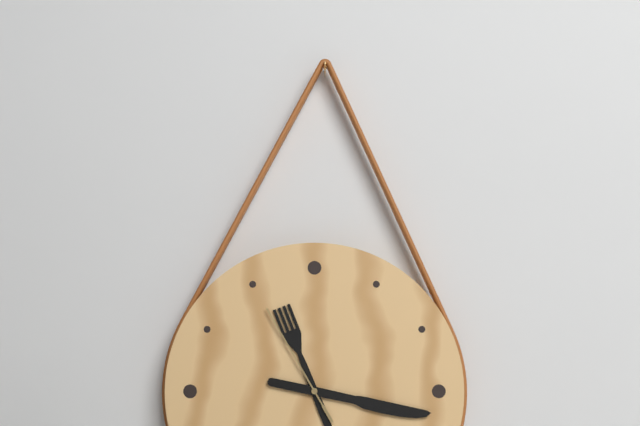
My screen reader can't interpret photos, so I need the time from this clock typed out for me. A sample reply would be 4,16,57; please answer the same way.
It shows 11,17,55
